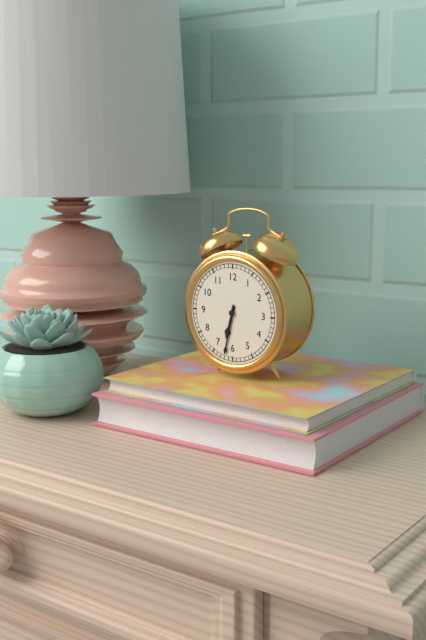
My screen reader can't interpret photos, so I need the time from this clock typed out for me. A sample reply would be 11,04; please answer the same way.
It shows 6,32
